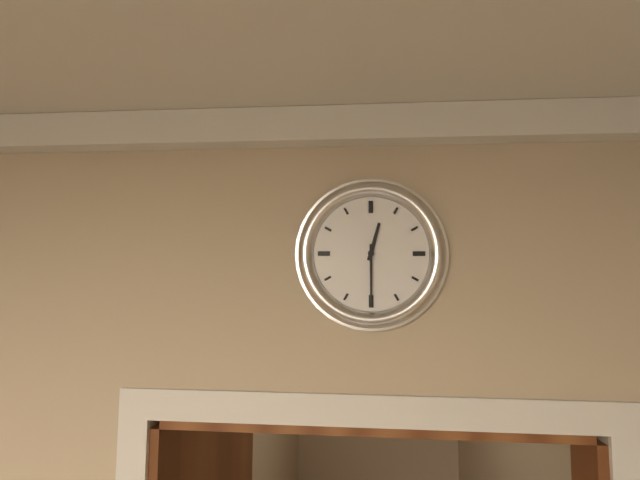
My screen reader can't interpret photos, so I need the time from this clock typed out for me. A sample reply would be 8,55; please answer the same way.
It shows 12,30
